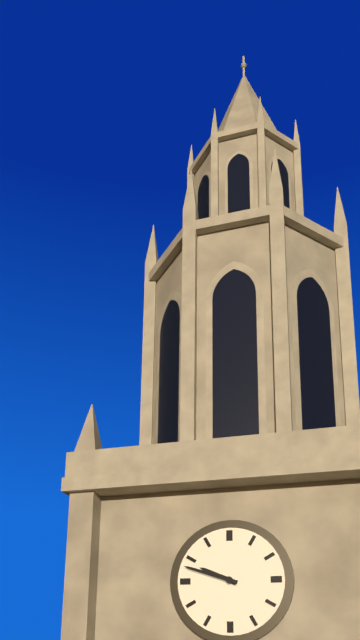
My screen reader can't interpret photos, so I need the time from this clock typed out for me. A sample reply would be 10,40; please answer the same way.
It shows 9,48
